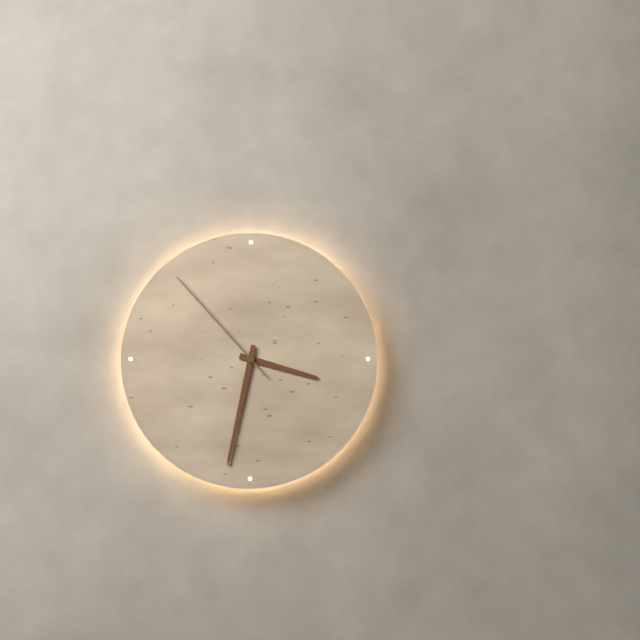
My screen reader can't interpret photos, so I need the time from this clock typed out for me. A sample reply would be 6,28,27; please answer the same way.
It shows 3,32,53
